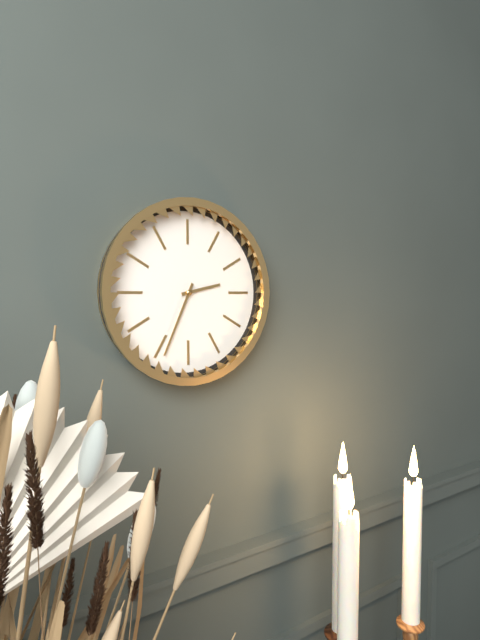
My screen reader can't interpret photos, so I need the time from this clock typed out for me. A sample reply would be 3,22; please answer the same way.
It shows 2,34
